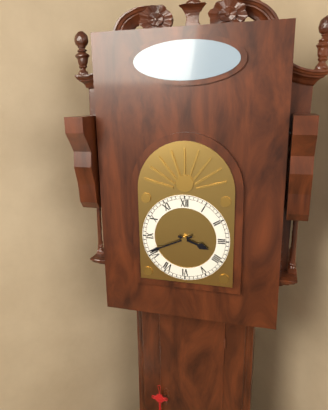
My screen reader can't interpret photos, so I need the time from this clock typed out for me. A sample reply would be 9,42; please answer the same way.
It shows 3,41
